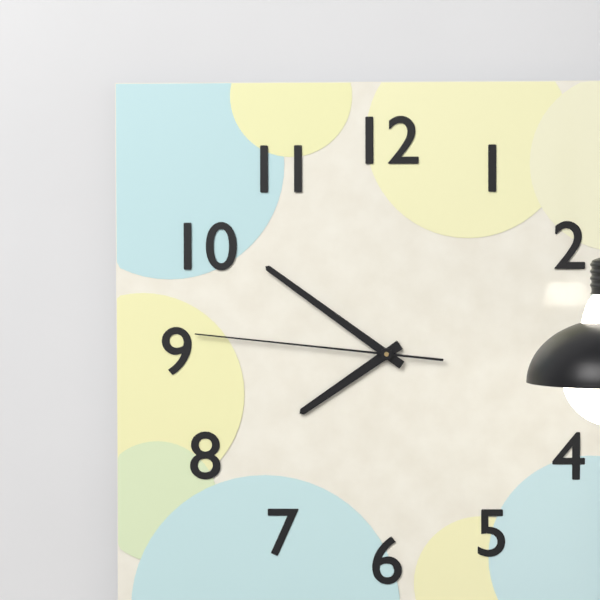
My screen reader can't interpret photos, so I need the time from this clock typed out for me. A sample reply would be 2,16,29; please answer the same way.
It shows 7,51,46
